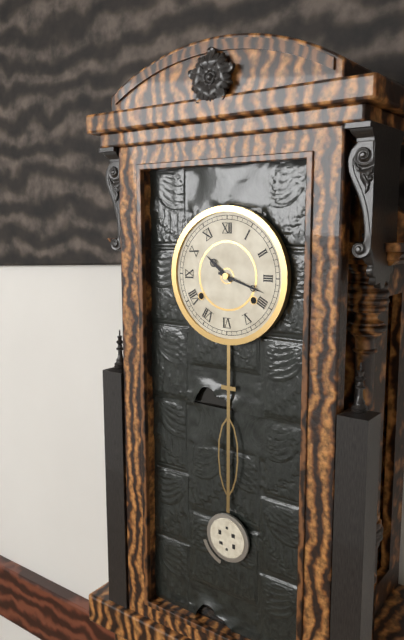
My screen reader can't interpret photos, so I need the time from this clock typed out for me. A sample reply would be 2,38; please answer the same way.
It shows 10,18
